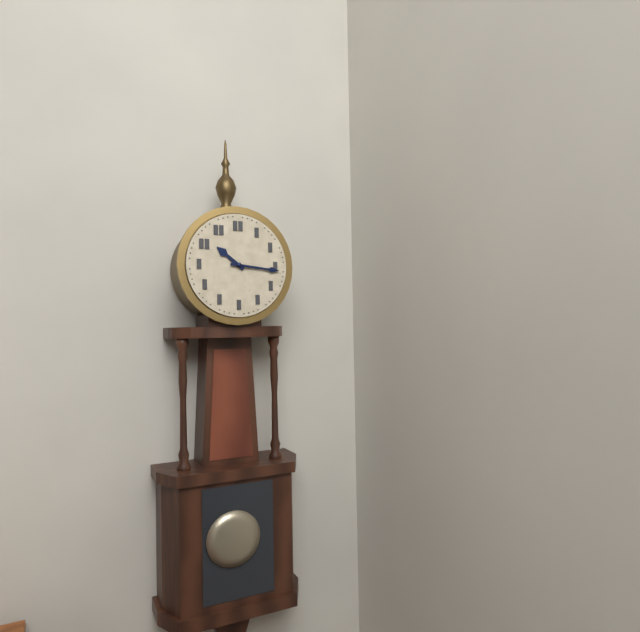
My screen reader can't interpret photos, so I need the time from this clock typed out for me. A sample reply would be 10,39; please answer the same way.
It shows 10,16
